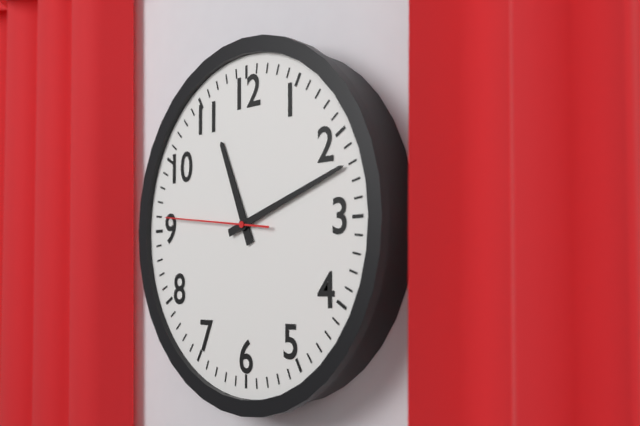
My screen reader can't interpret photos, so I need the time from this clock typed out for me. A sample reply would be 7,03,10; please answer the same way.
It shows 11,12,46
